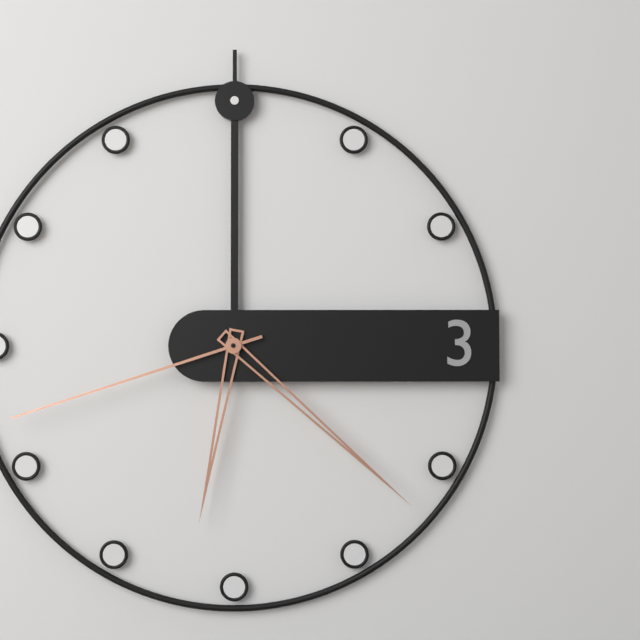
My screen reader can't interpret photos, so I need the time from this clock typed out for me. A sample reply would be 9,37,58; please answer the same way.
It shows 6,22,42
